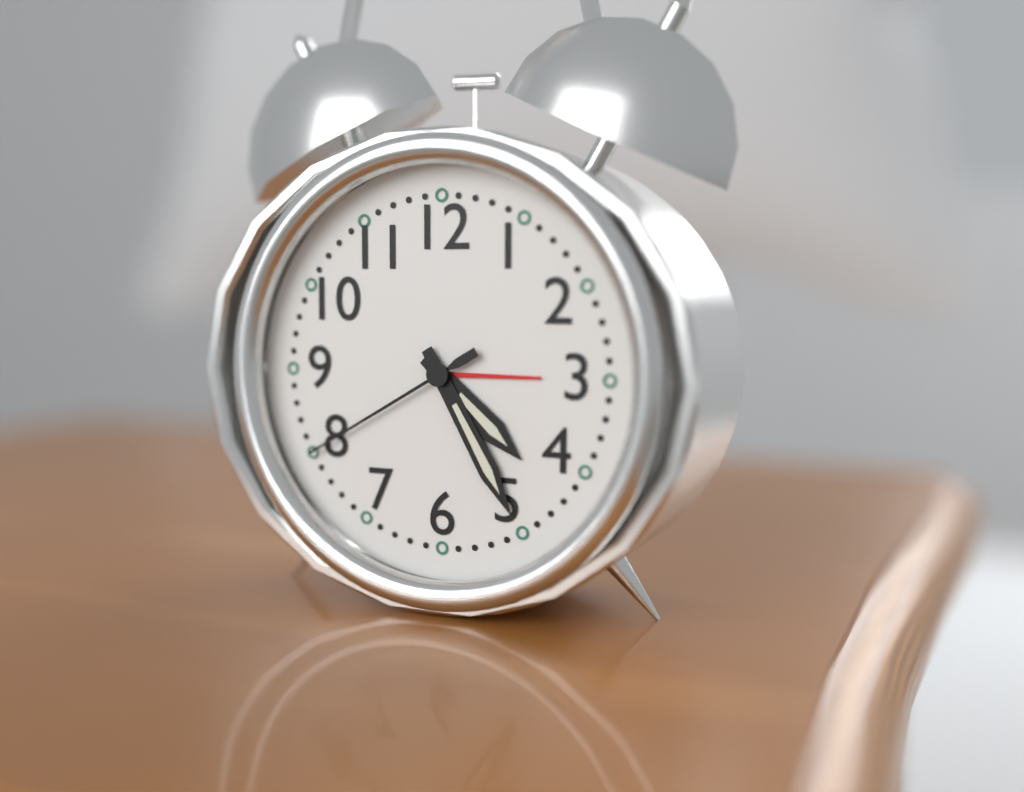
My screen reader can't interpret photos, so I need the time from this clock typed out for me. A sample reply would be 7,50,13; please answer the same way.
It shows 4,25,40
